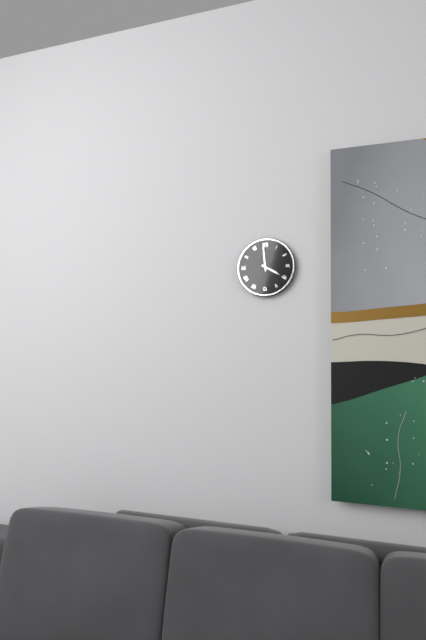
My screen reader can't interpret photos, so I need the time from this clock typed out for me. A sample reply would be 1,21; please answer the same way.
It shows 3,59
